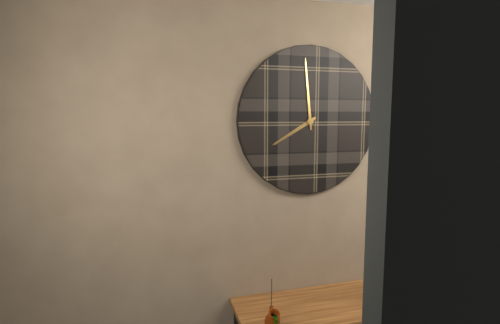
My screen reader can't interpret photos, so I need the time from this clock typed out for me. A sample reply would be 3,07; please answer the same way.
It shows 7,59
